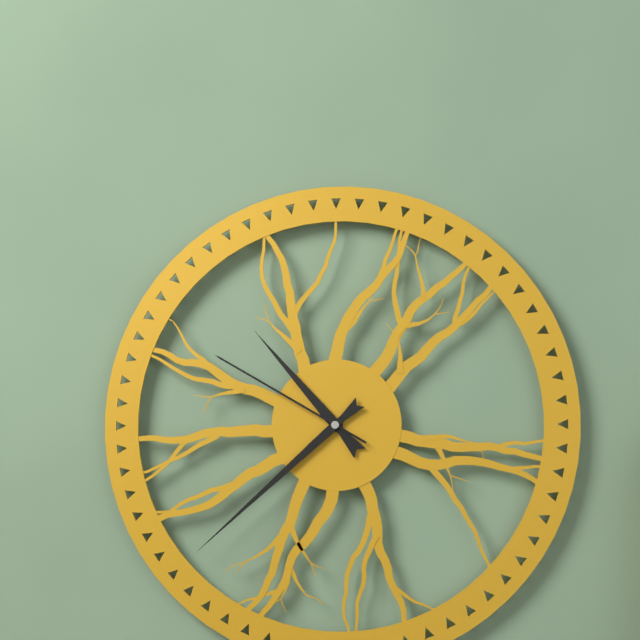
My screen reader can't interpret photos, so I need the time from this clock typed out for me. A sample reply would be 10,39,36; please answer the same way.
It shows 10,38,50
